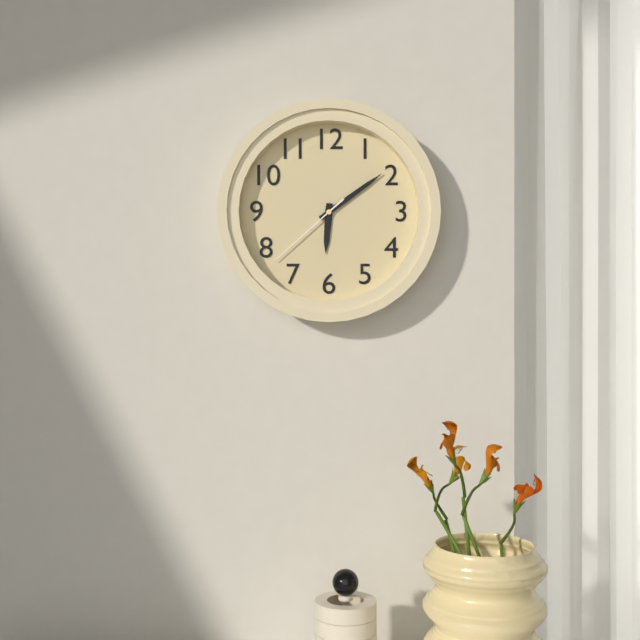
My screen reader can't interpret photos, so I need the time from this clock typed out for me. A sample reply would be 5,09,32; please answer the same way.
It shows 6,09,38
